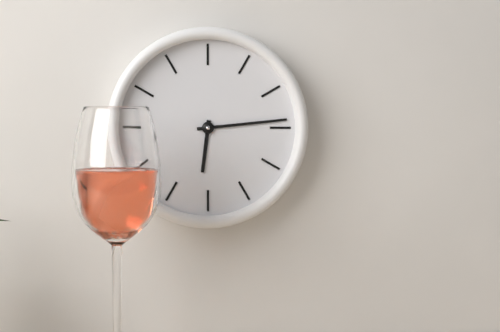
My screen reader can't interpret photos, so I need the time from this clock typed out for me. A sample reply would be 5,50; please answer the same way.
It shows 6,14
